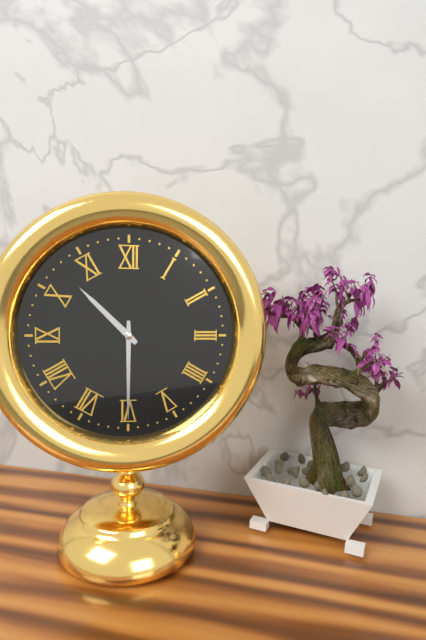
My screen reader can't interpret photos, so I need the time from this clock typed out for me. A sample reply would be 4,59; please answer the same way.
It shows 10,30
